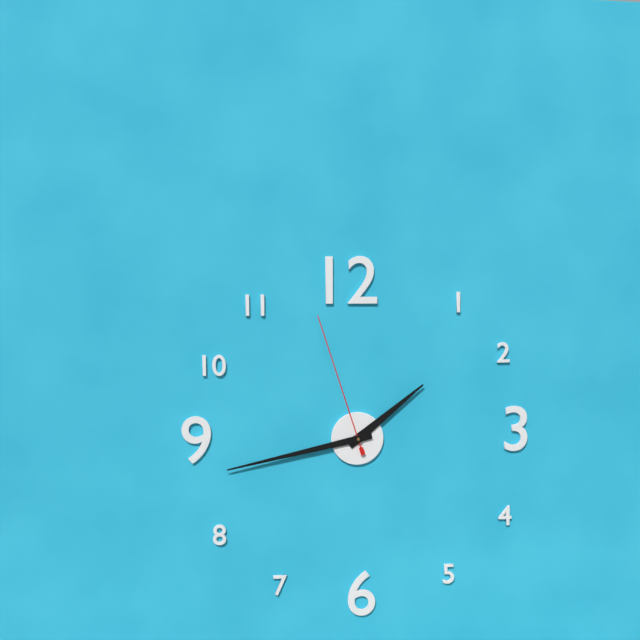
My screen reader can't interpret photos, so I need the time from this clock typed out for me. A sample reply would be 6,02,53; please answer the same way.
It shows 1,43,57
